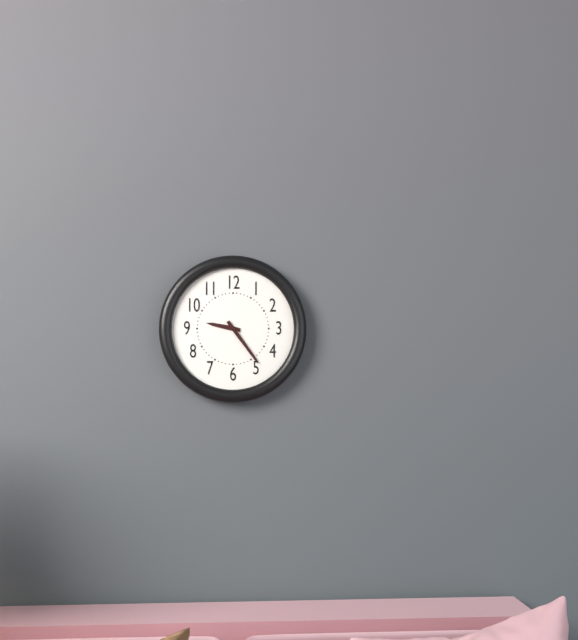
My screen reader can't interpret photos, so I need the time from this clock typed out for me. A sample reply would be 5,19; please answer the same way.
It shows 9,24
